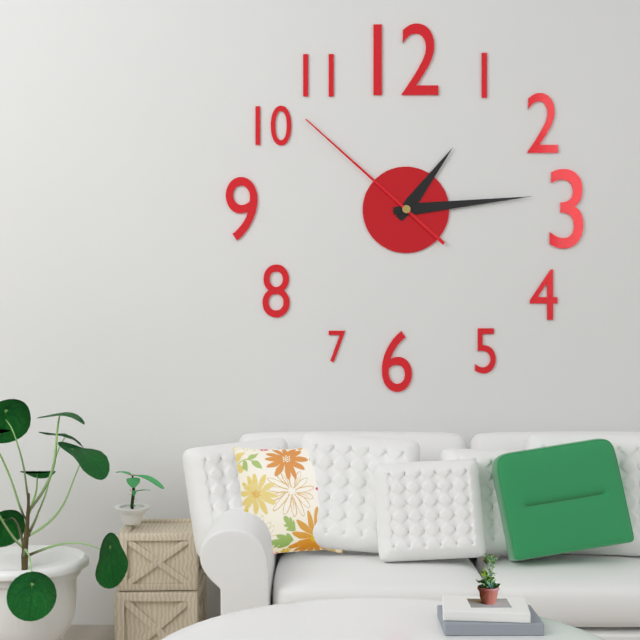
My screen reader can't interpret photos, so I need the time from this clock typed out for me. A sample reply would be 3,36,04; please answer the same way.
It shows 1,14,52
